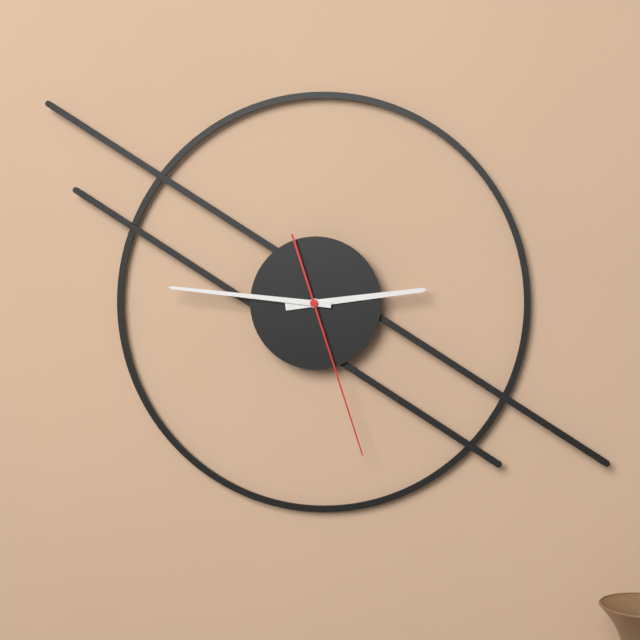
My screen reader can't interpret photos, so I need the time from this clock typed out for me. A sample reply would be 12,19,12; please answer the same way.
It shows 2,46,27
